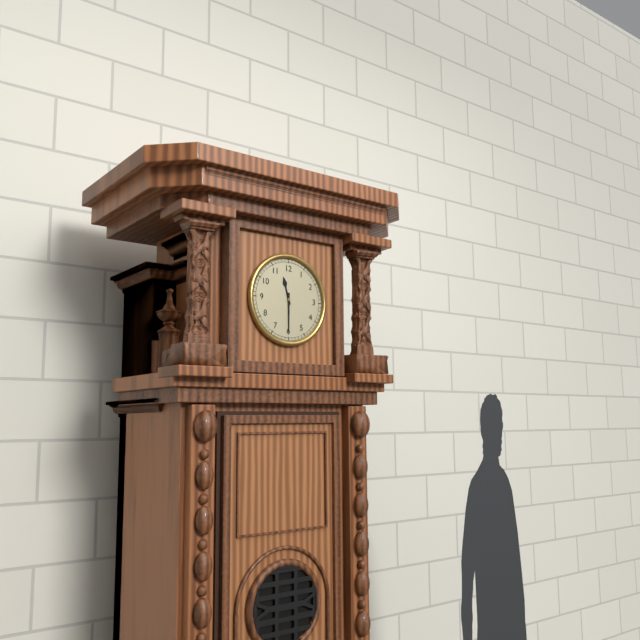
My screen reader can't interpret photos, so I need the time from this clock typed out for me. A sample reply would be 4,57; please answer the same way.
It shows 11,30
